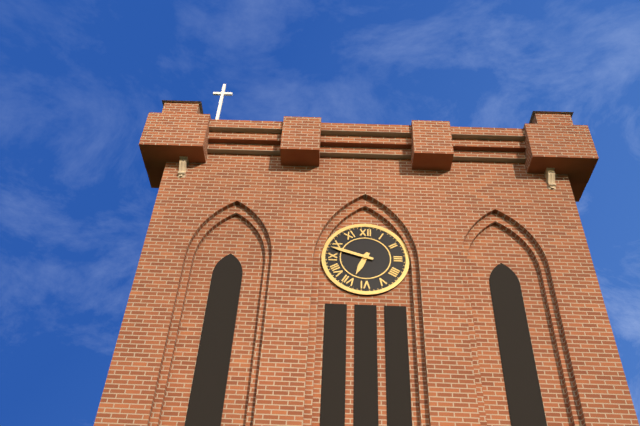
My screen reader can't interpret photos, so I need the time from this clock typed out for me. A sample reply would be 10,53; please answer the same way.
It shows 6,48
